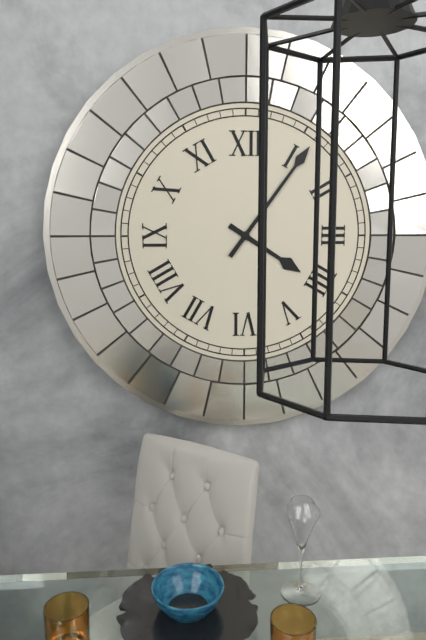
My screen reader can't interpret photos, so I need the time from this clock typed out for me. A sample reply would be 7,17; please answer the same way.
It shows 4,06
